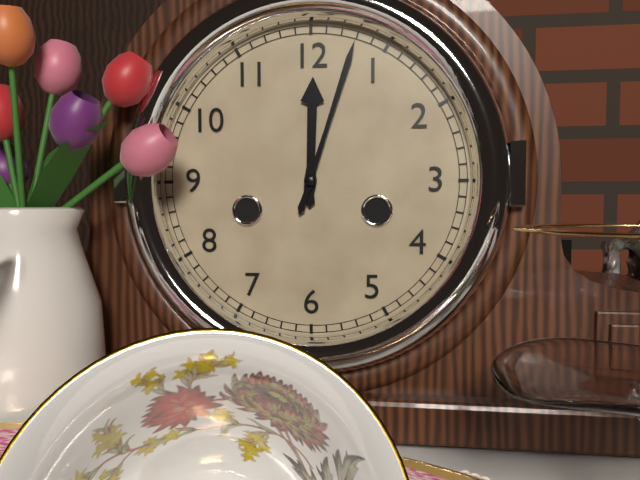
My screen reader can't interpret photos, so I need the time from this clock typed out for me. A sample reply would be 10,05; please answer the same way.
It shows 12,03
